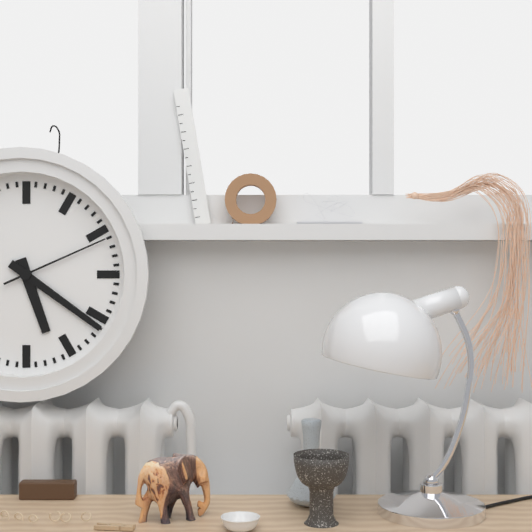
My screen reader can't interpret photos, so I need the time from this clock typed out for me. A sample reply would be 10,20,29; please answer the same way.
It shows 5,21,11
